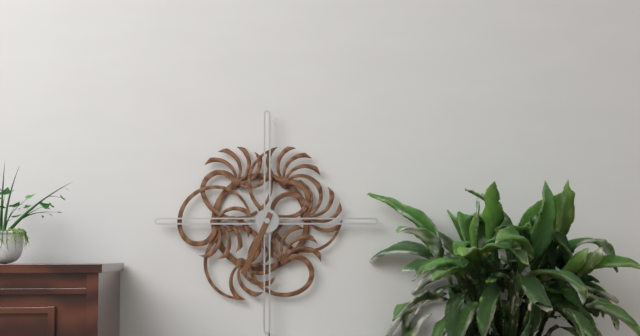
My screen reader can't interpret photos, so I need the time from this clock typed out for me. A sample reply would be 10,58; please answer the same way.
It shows 10,34
